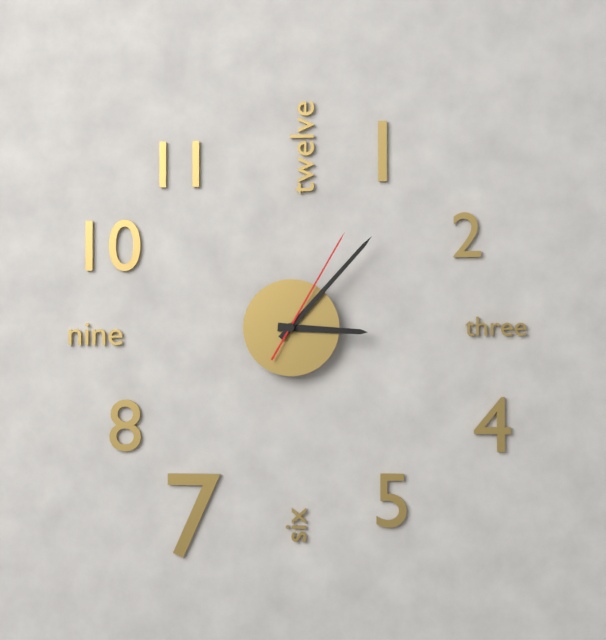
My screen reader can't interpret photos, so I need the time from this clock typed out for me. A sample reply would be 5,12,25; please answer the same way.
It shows 3,07,05
